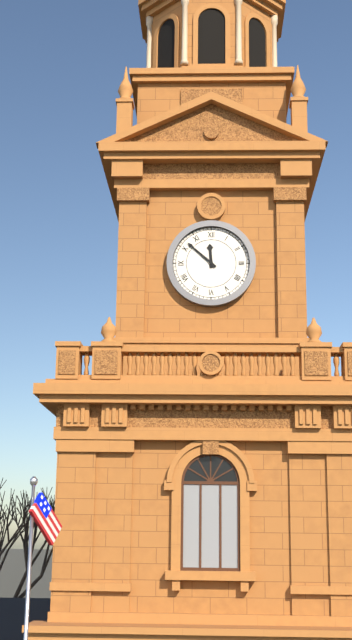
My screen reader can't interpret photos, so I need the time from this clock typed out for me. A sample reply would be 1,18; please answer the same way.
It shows 11,52
